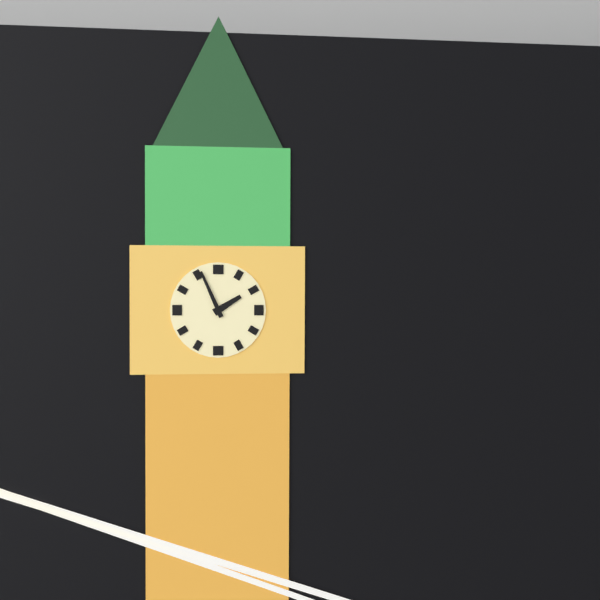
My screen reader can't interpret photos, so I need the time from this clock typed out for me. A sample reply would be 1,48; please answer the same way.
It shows 1,56
